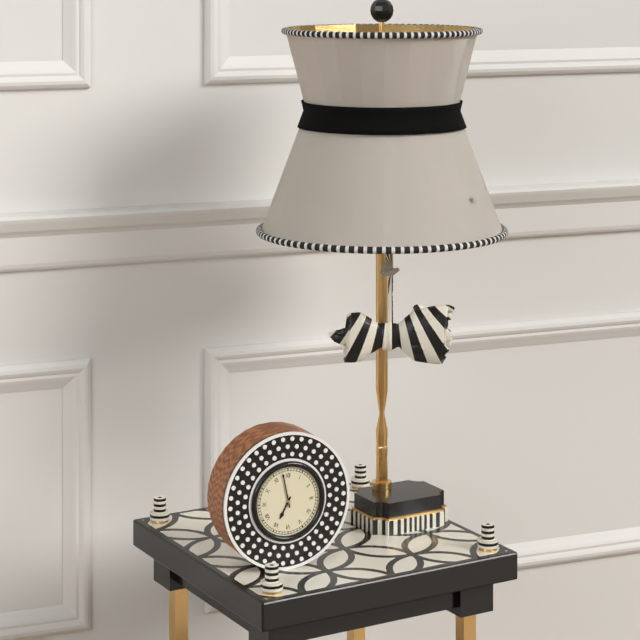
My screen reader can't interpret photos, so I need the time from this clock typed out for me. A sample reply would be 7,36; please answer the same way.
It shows 6,58
